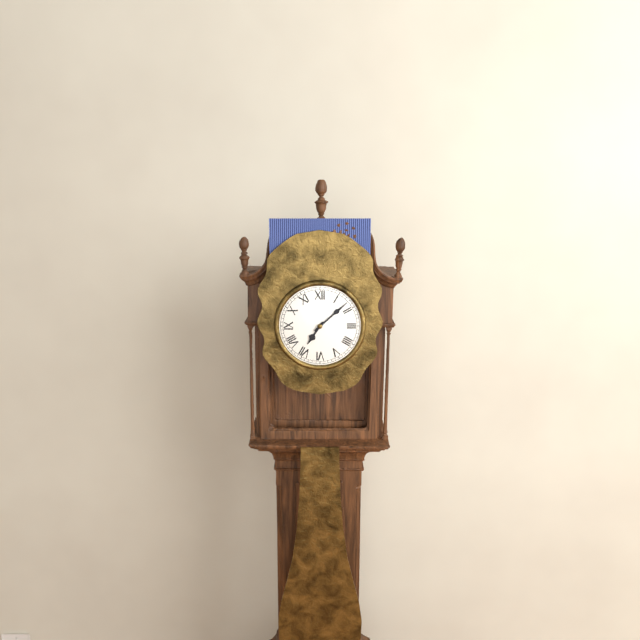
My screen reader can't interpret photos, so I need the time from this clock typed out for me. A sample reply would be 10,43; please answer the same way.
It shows 7,08
